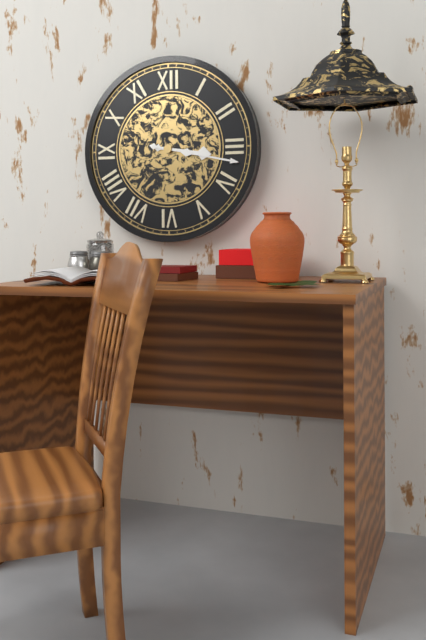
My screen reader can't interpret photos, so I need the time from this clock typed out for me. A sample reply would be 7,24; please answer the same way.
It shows 3,17
